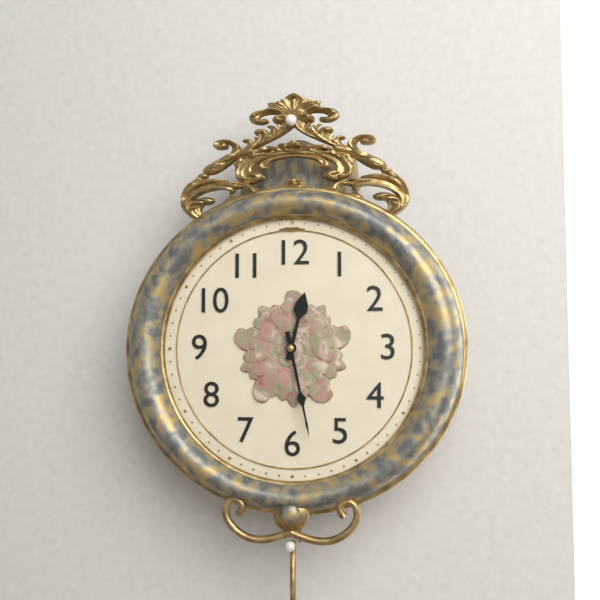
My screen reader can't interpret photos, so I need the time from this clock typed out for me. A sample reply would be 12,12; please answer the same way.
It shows 12,28
